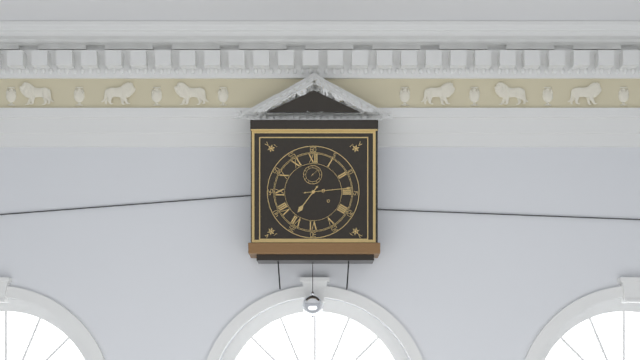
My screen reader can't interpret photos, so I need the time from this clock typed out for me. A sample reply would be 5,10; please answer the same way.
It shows 7,14
